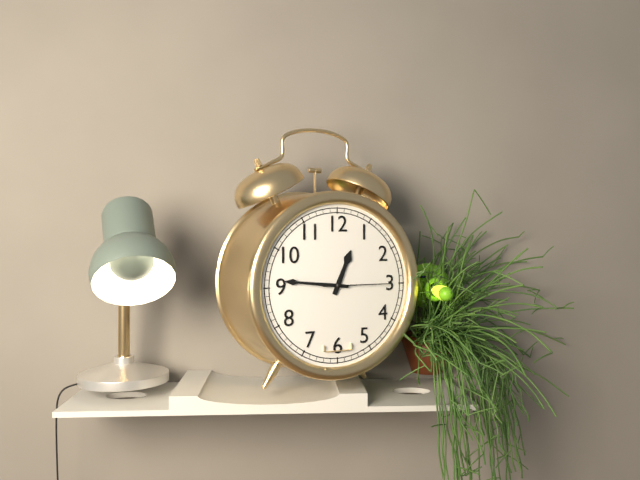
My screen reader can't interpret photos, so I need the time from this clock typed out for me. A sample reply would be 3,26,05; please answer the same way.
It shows 12,46,15
